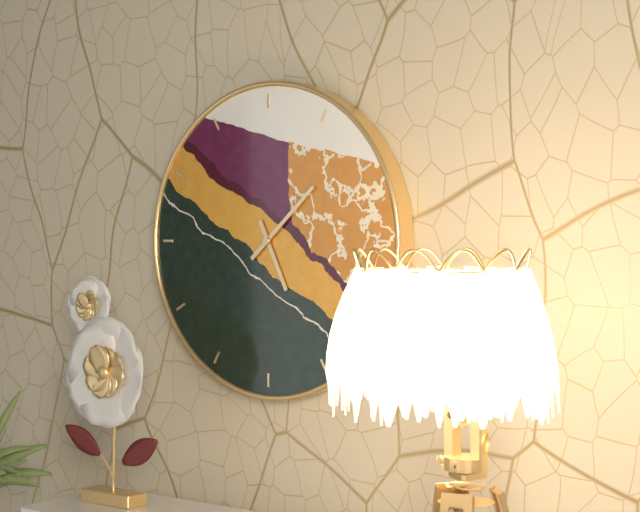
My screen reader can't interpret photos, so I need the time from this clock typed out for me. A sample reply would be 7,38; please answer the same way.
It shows 5,08
